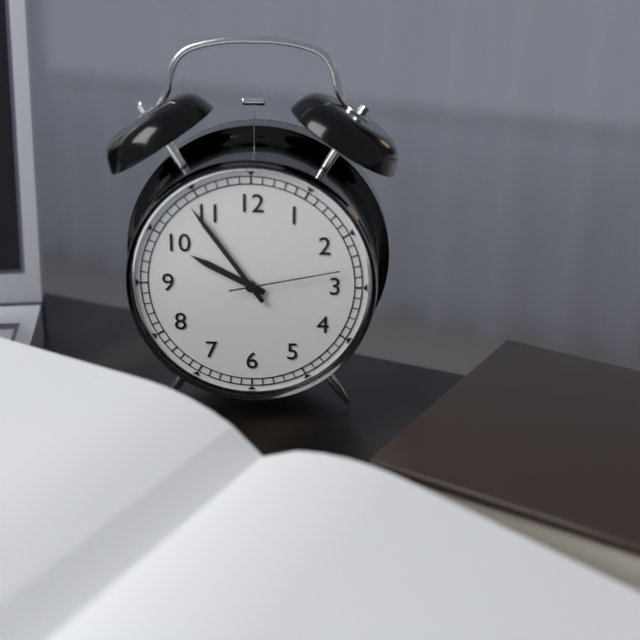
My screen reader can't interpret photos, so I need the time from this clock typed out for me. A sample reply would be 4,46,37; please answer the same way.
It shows 9,54,13
